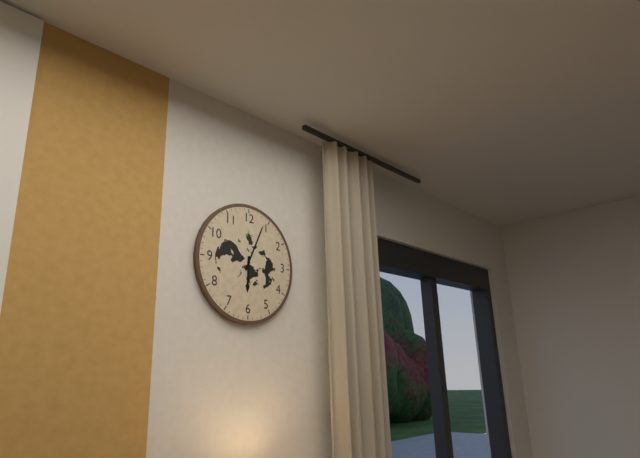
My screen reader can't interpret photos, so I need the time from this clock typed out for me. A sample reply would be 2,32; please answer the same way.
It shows 6,04
